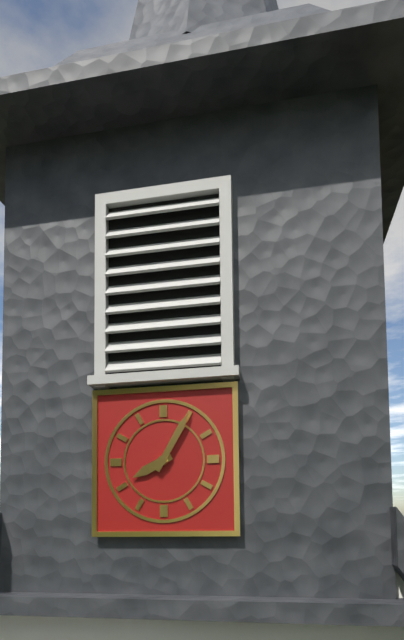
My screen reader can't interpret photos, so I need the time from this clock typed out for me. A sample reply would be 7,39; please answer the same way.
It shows 8,05
